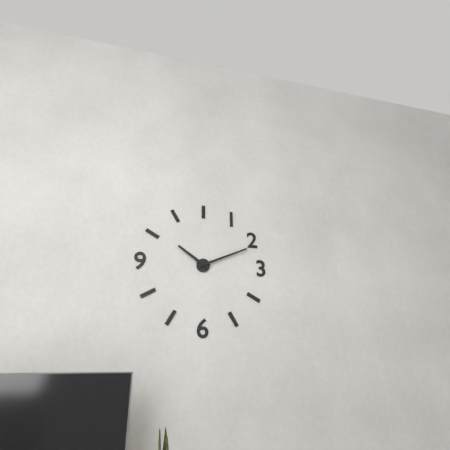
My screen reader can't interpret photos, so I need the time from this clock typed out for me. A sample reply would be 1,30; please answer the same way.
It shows 10,11
